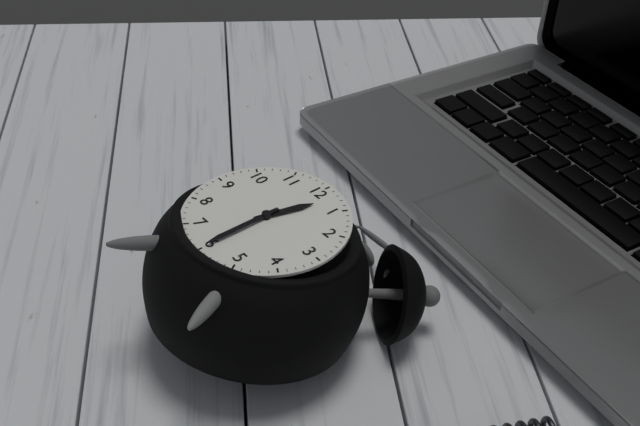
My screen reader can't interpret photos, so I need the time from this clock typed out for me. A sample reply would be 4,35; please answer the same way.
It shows 12,30
